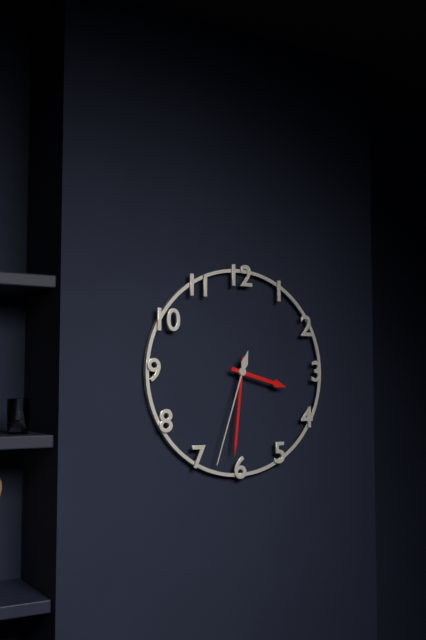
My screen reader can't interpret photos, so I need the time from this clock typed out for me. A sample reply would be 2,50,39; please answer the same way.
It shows 3,31,33
